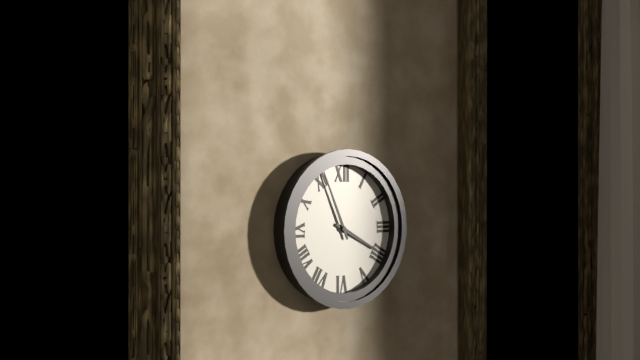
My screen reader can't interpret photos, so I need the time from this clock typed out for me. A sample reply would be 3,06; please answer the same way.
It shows 3,56
